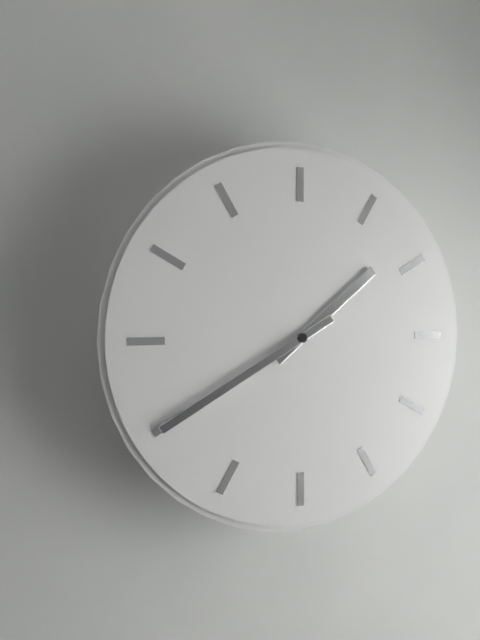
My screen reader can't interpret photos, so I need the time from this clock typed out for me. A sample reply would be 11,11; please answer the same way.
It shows 1,40
